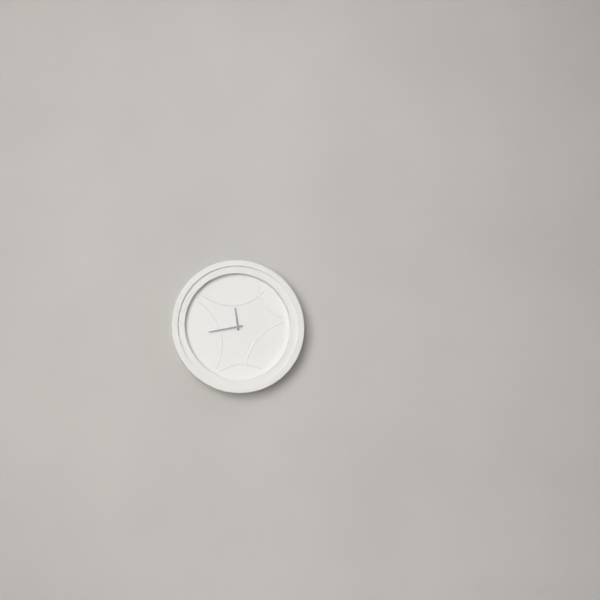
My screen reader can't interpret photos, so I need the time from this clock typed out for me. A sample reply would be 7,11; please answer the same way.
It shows 11,43
